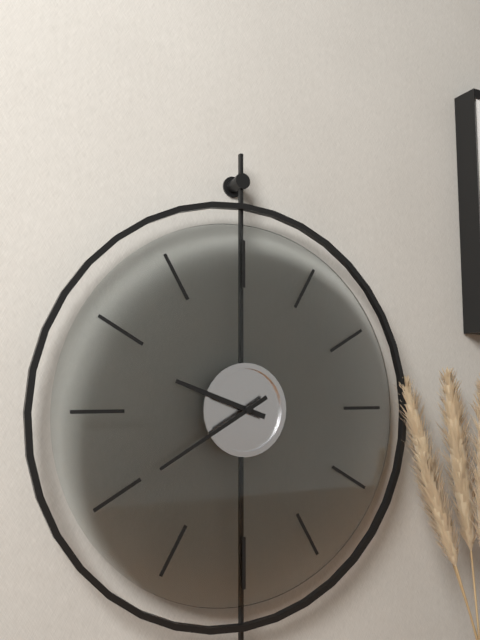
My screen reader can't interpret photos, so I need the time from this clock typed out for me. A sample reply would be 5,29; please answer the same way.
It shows 9,40
